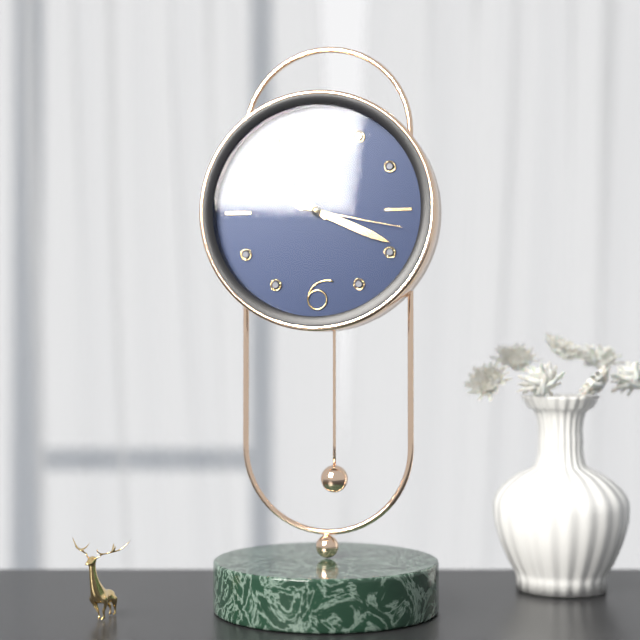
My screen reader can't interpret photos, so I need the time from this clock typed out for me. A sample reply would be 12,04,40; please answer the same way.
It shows 10,19,17
